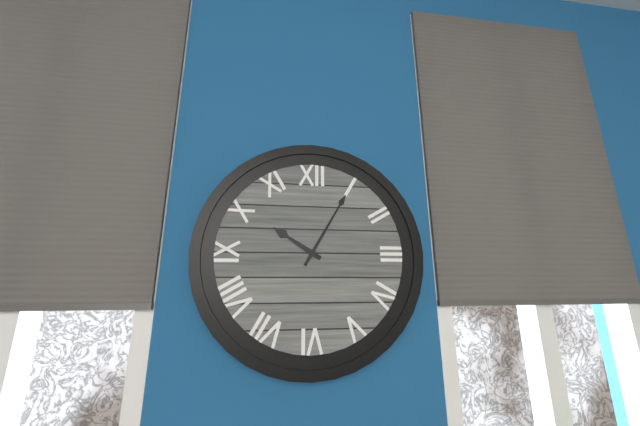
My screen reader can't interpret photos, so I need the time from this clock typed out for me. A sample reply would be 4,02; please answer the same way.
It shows 10,05
